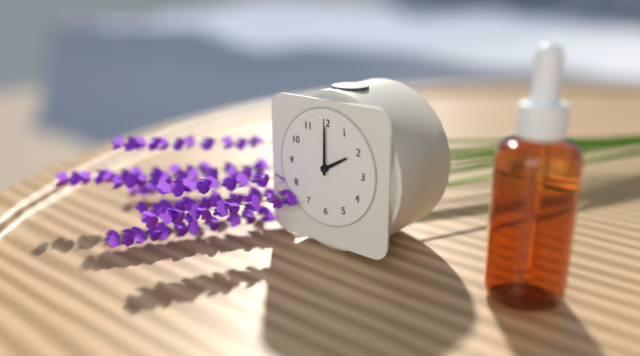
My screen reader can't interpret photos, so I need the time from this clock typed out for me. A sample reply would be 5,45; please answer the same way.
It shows 2,00
